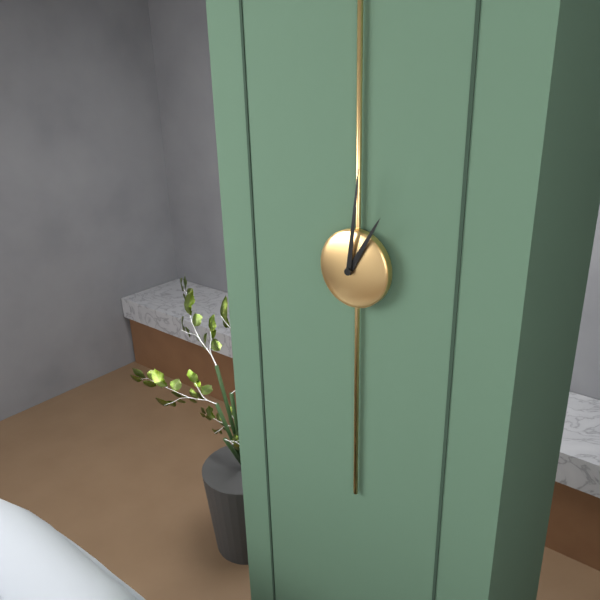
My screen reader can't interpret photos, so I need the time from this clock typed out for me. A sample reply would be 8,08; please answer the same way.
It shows 1,01
